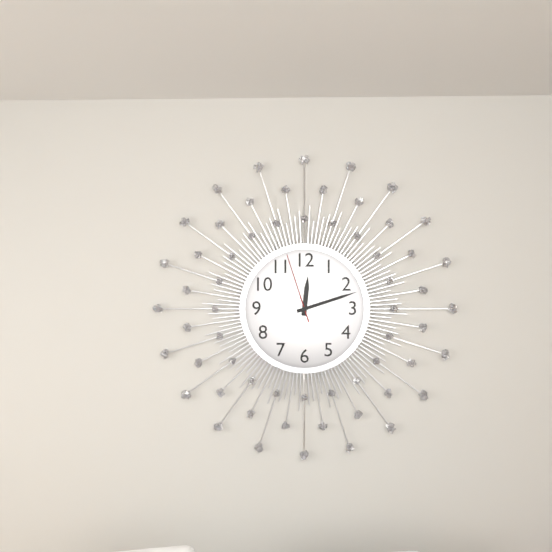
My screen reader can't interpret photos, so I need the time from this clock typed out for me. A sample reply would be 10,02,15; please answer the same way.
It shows 12,12,57
